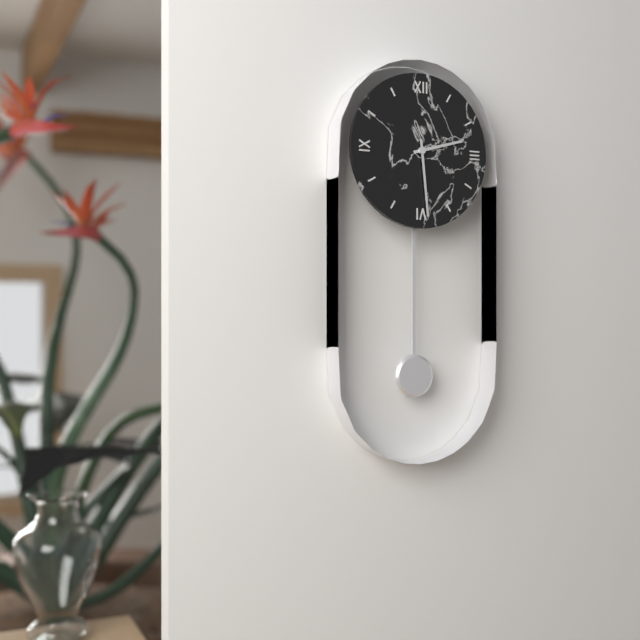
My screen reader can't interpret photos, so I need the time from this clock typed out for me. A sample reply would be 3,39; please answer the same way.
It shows 2,29
